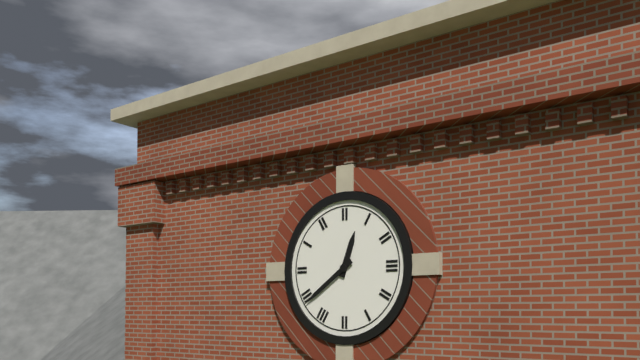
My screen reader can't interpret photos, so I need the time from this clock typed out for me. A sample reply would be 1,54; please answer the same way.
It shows 12,39
